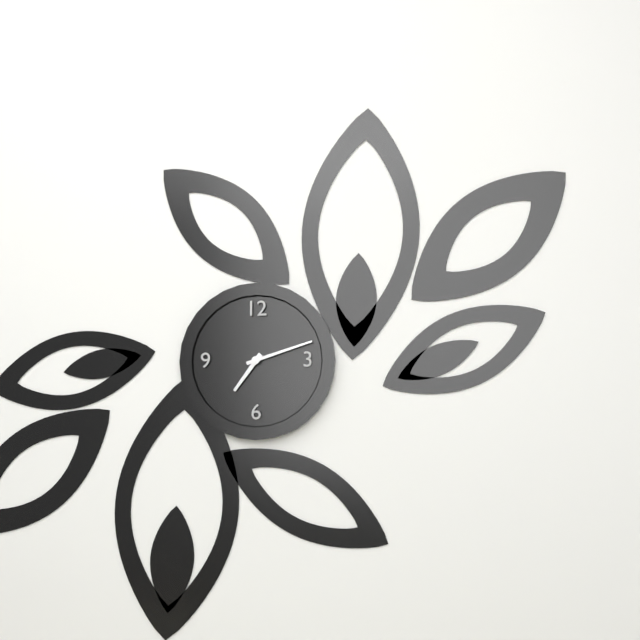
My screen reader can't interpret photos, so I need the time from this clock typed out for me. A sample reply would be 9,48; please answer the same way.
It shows 7,12
